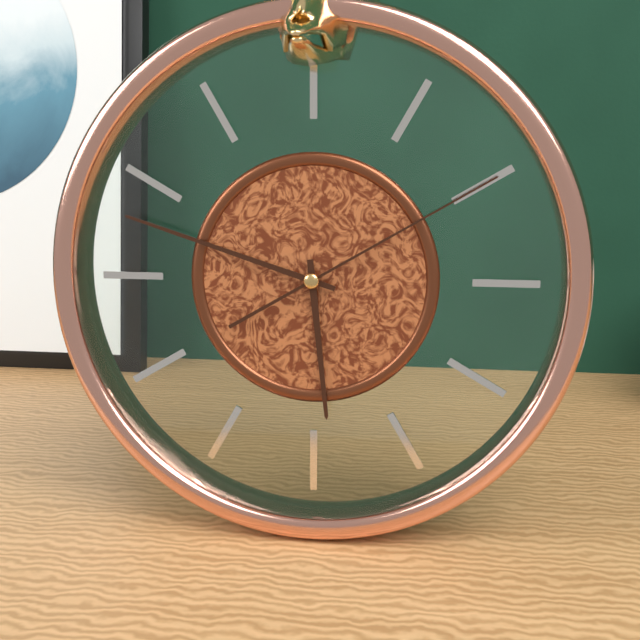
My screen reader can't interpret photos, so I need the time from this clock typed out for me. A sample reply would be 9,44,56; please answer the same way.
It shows 5,48,10
